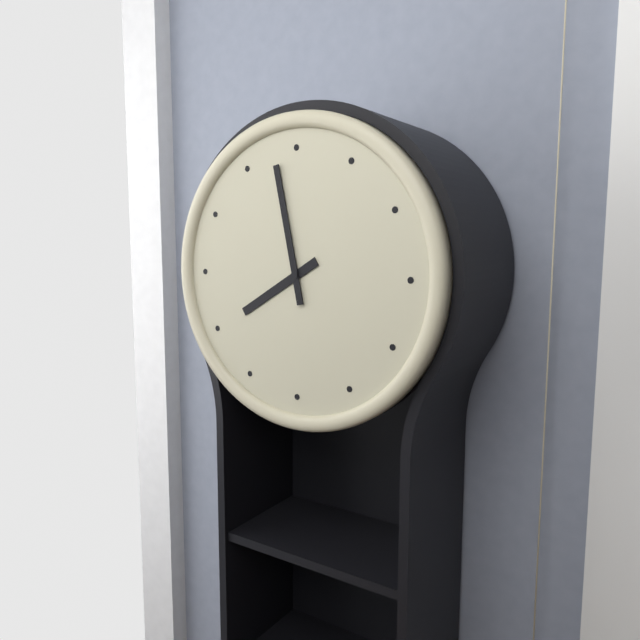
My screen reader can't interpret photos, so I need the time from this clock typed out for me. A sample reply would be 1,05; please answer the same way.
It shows 7,58
